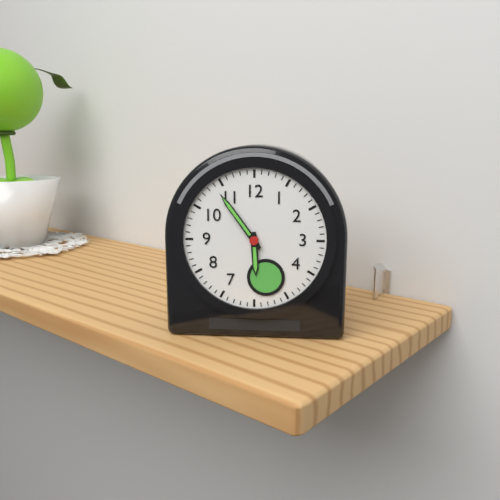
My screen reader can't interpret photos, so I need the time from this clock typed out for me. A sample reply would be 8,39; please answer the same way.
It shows 5,54
